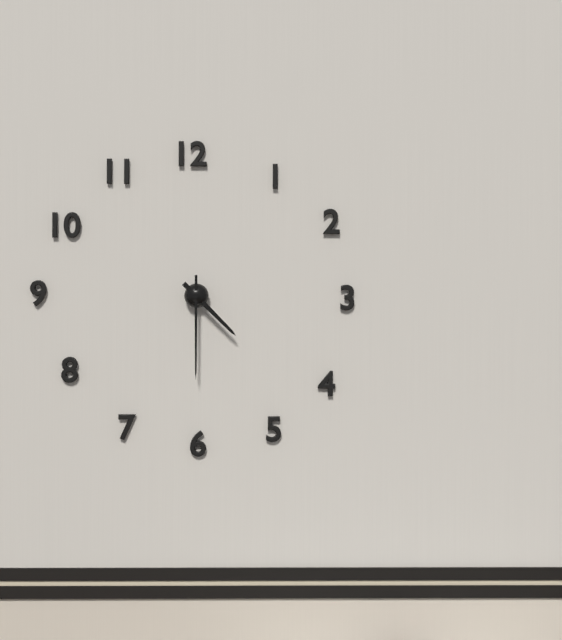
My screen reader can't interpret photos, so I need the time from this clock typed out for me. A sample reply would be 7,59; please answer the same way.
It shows 4,30
